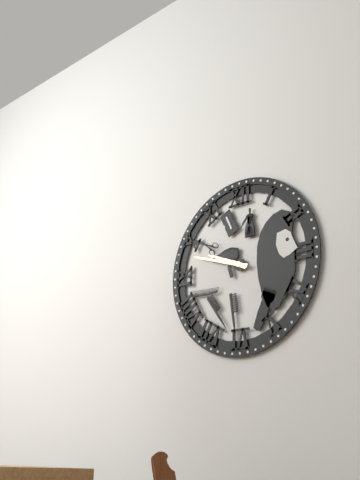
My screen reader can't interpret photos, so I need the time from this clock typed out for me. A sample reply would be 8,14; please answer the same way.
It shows 9,48
